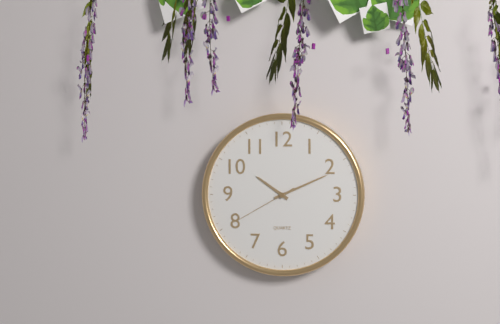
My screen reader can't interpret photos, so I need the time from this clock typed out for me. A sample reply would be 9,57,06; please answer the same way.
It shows 10,11,40
